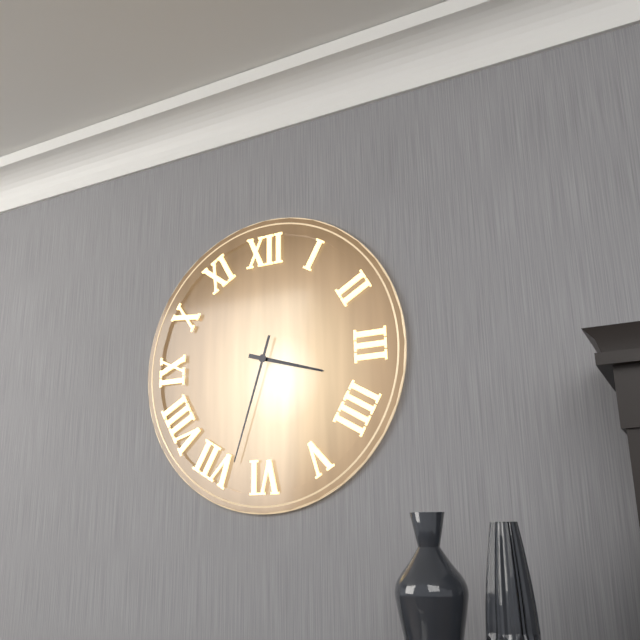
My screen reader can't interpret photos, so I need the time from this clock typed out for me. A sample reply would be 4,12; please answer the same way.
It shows 3,33
